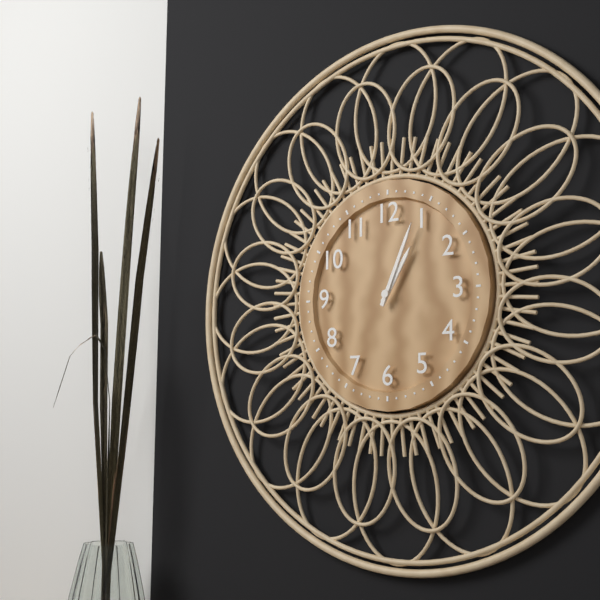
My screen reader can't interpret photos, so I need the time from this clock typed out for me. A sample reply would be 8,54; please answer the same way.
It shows 1,04
